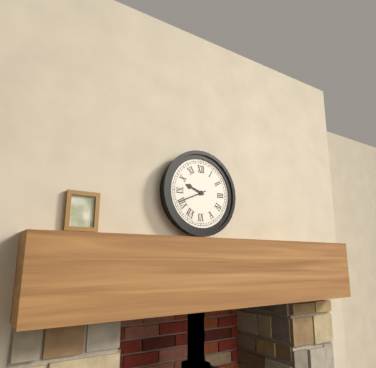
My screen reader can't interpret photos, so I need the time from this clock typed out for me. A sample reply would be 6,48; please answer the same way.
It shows 9,41
